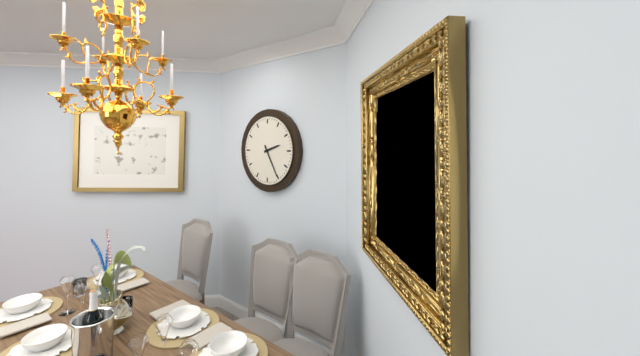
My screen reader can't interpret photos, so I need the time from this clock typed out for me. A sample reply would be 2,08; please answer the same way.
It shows 2,25
